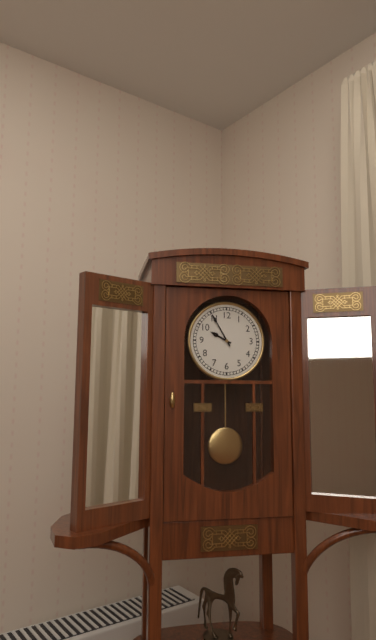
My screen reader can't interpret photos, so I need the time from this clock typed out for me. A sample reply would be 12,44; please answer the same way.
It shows 9,55
